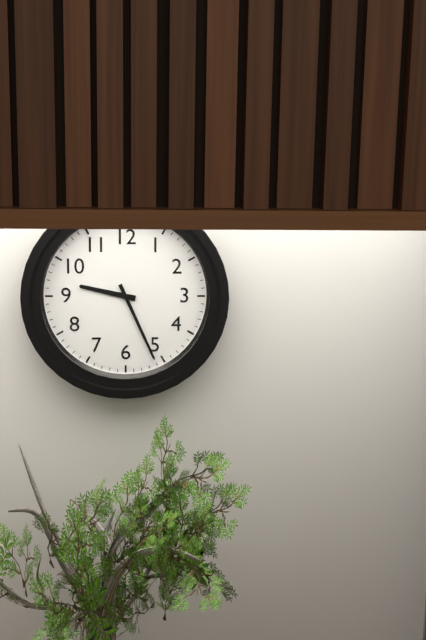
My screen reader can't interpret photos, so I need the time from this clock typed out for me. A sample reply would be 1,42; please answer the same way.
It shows 9,26
